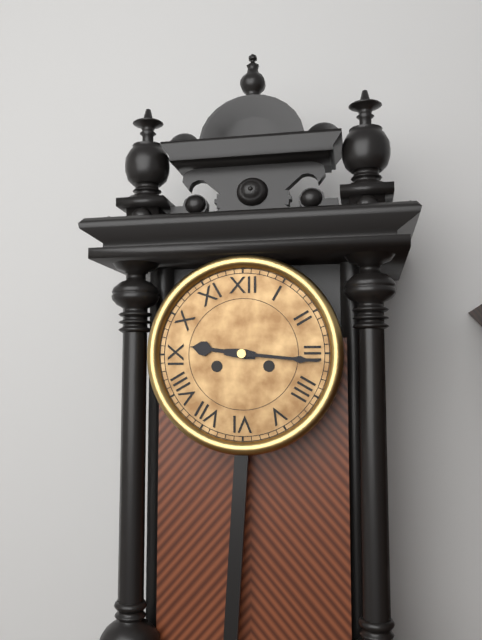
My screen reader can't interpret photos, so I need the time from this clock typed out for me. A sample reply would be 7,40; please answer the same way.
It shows 9,16
